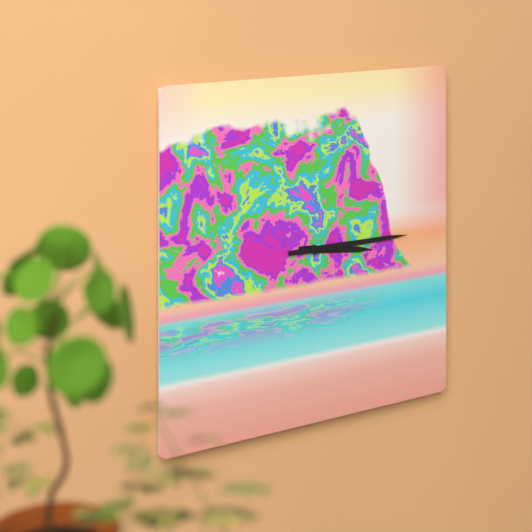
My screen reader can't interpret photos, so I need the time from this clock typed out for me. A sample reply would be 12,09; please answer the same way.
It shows 3,15
